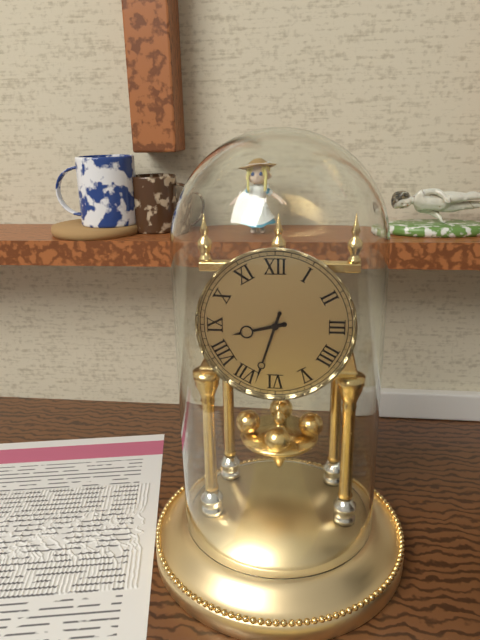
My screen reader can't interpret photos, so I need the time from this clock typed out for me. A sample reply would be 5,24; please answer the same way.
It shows 8,33
